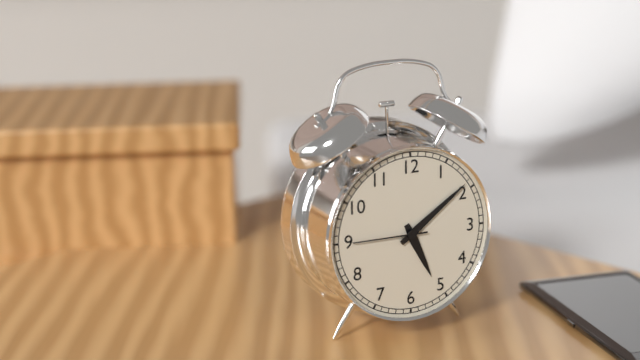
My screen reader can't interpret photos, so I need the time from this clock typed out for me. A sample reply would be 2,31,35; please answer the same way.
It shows 5,09,45
